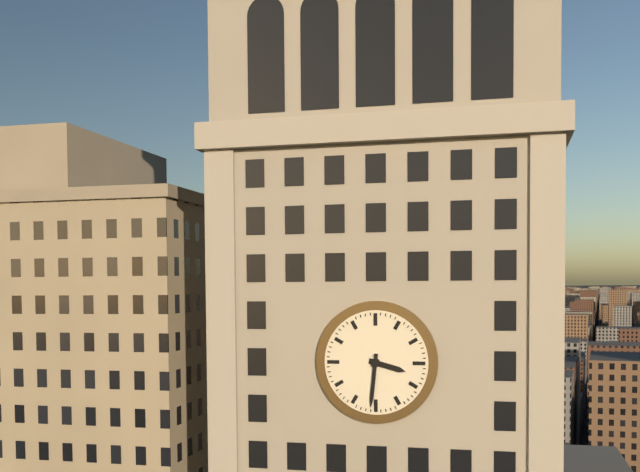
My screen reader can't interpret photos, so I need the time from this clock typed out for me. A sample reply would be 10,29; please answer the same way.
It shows 3,31
